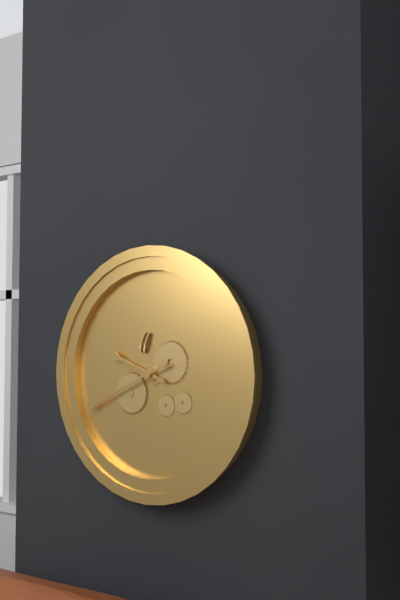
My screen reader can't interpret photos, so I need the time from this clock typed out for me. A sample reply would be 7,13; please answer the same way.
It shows 9,41
